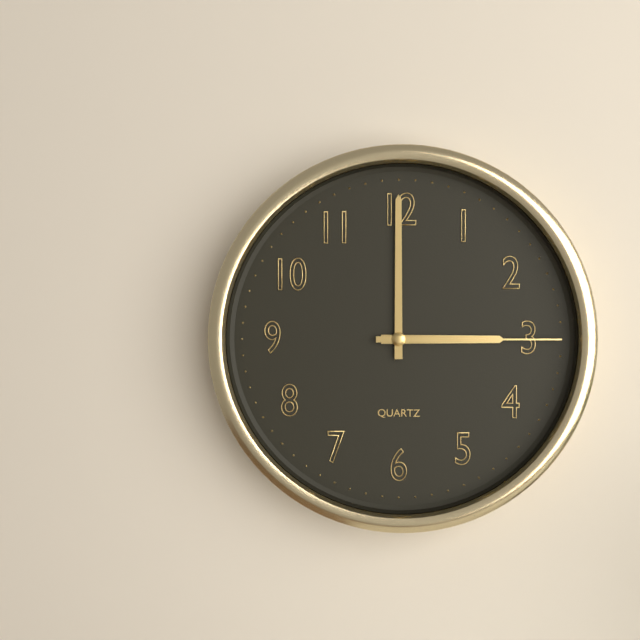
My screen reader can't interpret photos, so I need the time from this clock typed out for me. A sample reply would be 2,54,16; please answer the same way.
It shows 3,00,15
